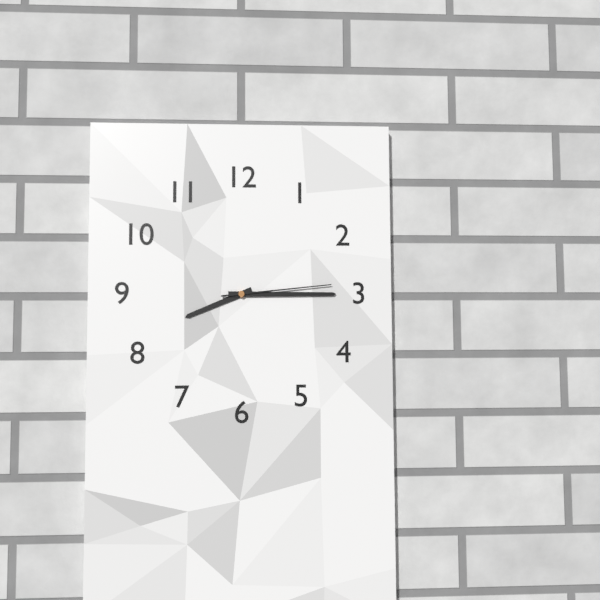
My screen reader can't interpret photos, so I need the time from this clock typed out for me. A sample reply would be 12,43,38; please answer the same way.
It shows 8,15,14
